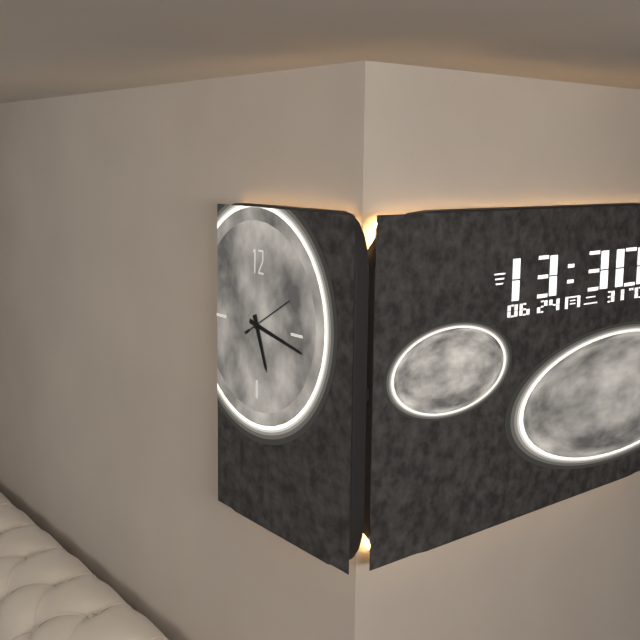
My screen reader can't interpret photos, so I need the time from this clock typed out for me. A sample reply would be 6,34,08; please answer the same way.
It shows 5,17,10
